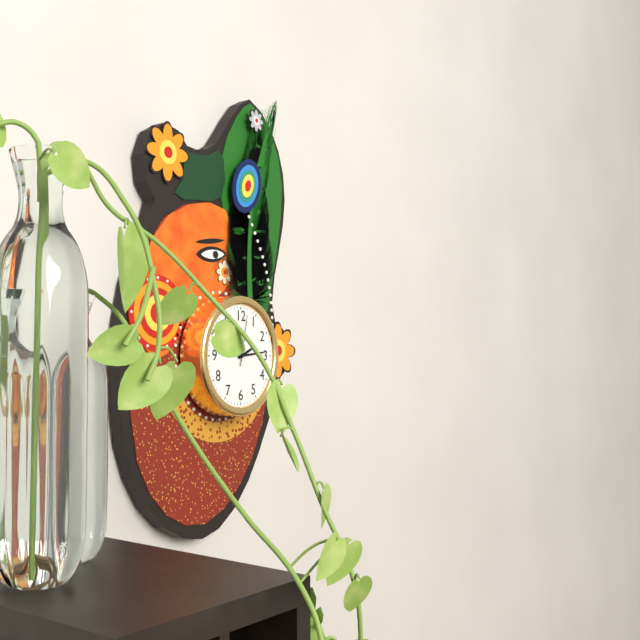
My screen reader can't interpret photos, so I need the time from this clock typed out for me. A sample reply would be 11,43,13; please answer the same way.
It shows 2,14,02
